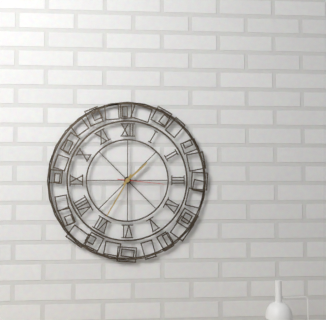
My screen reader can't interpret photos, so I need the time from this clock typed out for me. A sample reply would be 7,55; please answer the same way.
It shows 1,35
